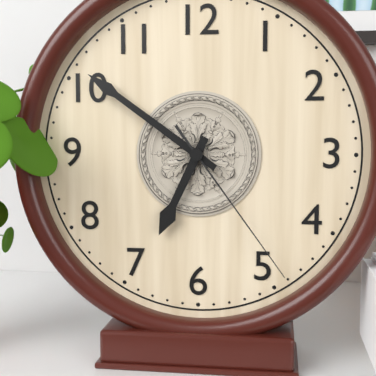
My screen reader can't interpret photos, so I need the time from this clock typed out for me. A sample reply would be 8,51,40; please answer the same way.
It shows 6,51,24
